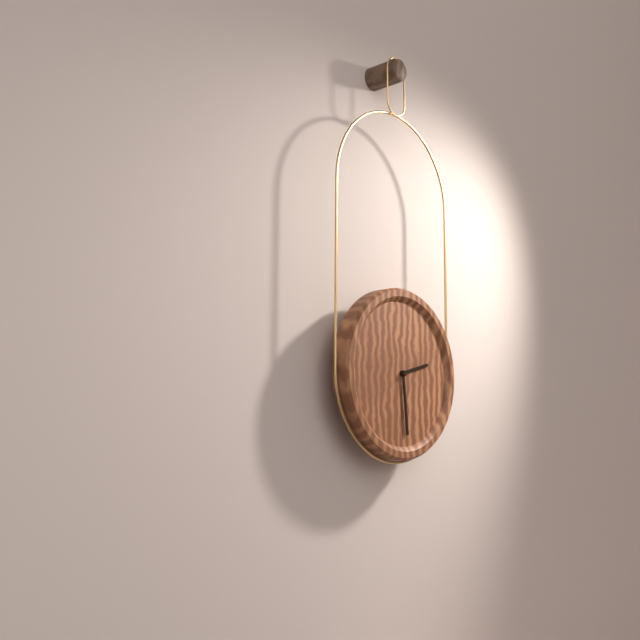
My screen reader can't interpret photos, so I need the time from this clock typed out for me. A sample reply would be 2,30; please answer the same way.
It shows 2,29
